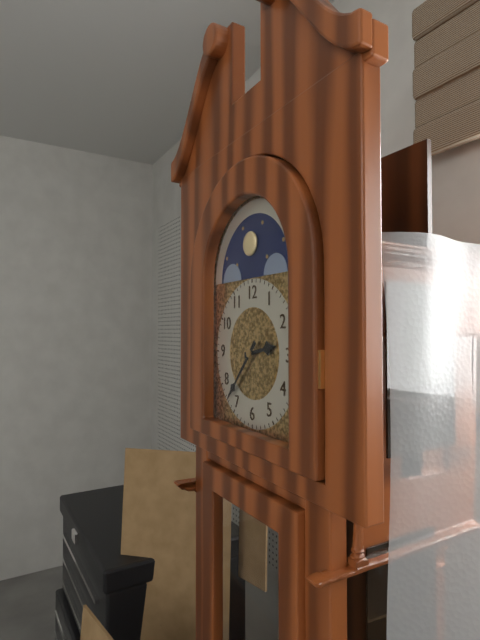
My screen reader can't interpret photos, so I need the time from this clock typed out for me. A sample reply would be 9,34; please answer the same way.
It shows 2,37
